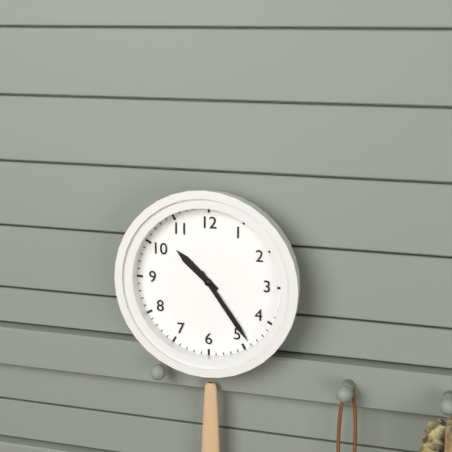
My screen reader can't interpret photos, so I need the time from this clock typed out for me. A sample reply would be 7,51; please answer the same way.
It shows 10,24
